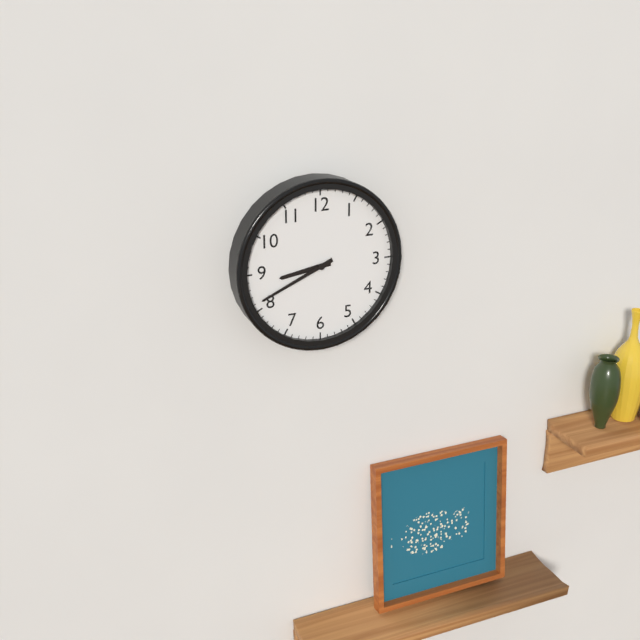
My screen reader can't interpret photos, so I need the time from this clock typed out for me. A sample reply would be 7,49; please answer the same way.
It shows 8,41
